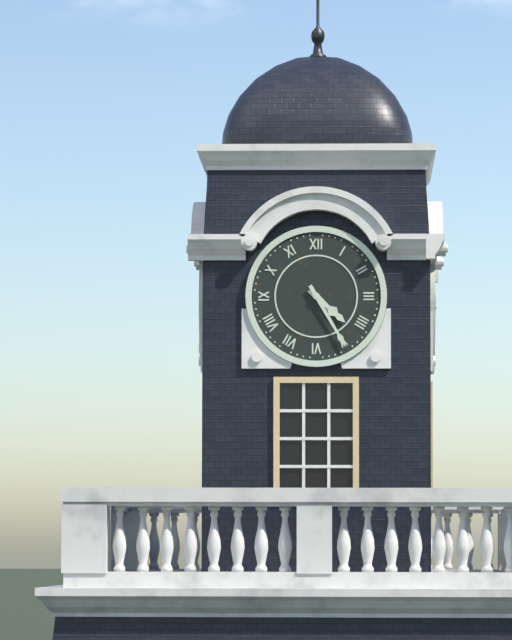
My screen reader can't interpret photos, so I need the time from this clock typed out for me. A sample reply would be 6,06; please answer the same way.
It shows 4,25
